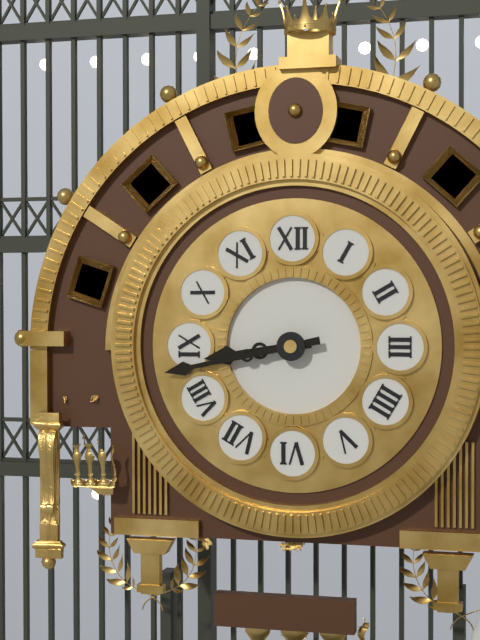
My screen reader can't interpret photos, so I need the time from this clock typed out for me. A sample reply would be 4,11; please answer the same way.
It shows 8,43
